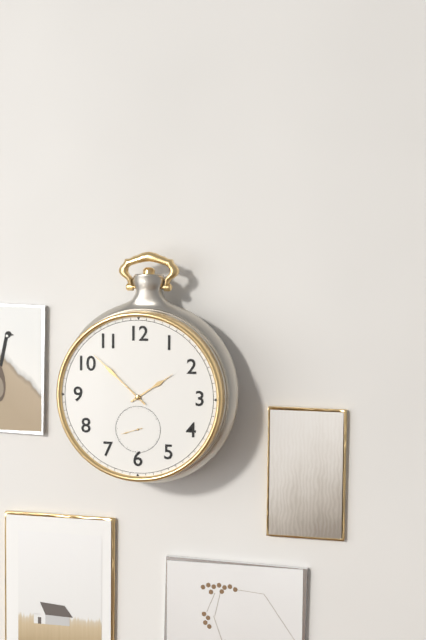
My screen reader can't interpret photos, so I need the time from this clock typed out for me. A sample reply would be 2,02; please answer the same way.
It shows 1,52
